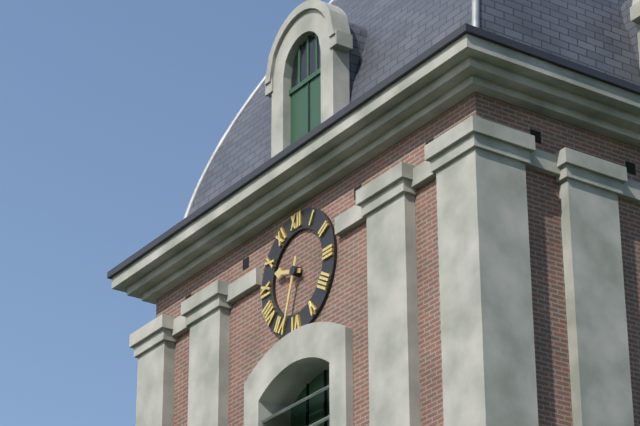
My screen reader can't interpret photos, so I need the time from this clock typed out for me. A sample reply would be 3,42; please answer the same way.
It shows 9,33
